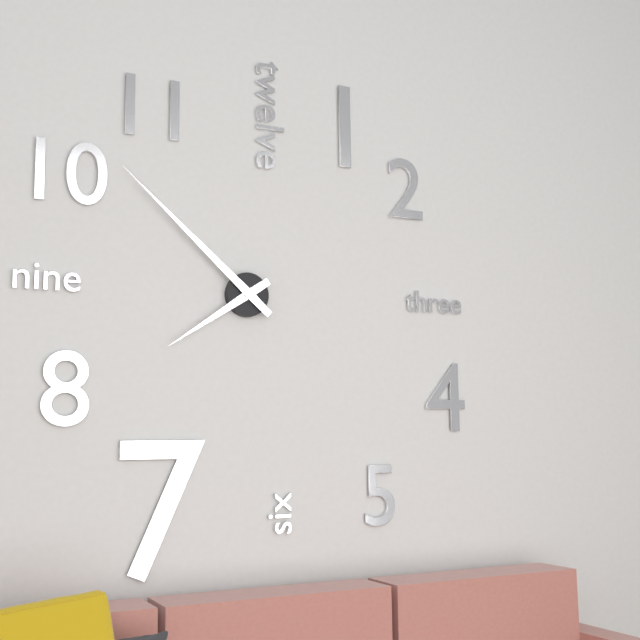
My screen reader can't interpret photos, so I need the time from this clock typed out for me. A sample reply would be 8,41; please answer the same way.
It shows 7,52
